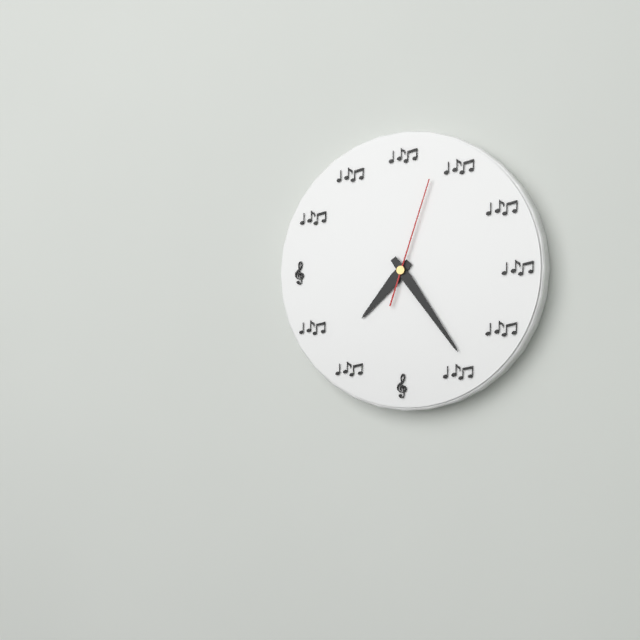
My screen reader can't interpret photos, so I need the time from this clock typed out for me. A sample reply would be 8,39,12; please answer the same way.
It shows 7,24,03
